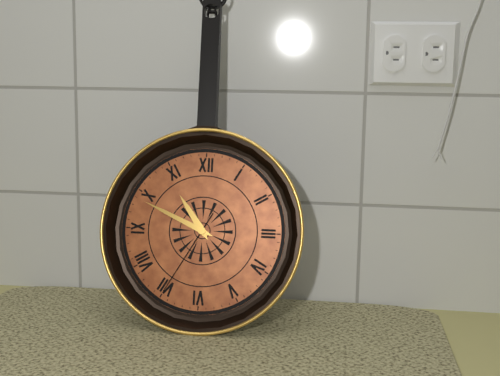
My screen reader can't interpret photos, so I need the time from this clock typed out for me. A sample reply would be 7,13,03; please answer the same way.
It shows 10,49,35
